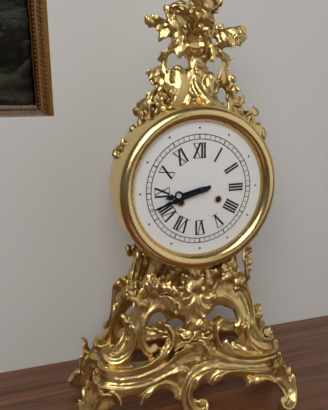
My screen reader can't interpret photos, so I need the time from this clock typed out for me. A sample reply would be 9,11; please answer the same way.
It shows 8,42
